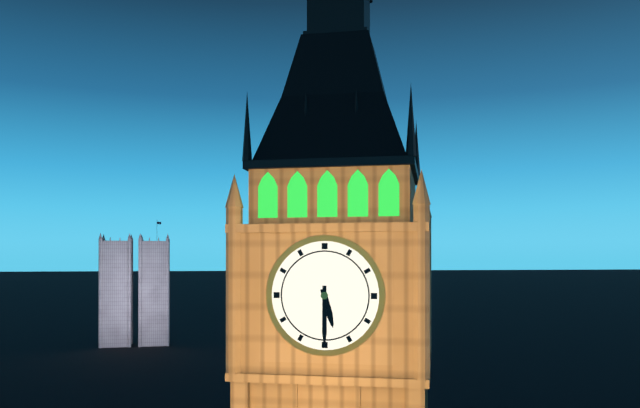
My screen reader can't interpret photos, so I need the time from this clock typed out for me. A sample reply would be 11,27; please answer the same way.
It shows 5,30
